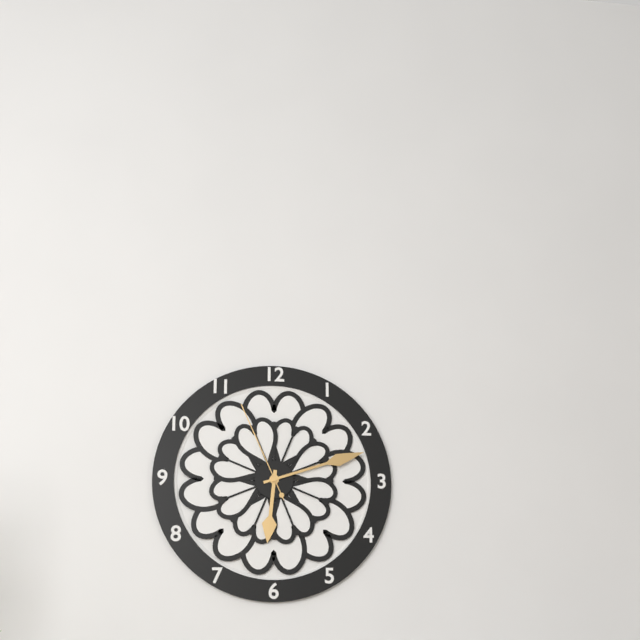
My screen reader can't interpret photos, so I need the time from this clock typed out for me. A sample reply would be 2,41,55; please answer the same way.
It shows 6,12,56
